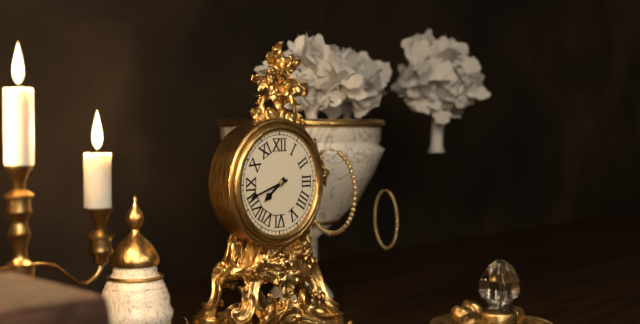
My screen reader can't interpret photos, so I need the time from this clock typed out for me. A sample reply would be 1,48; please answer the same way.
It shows 7,42
